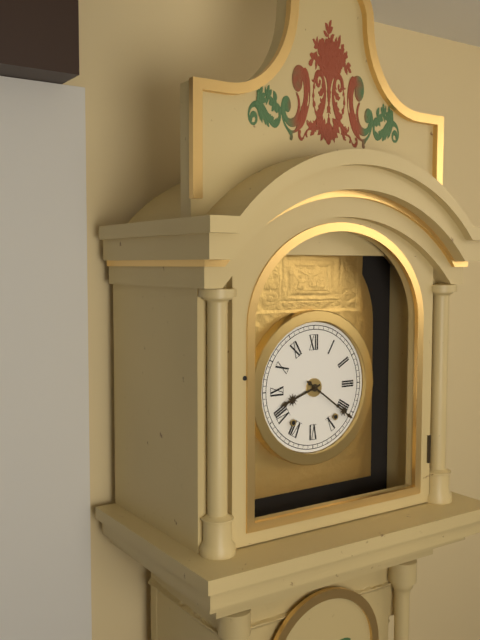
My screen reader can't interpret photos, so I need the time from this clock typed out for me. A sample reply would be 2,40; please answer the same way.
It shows 8,21
